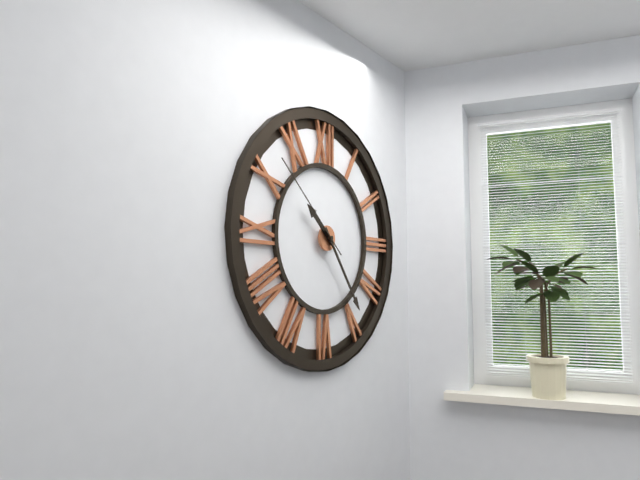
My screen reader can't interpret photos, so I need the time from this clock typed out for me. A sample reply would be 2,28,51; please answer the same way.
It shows 10,24,52
